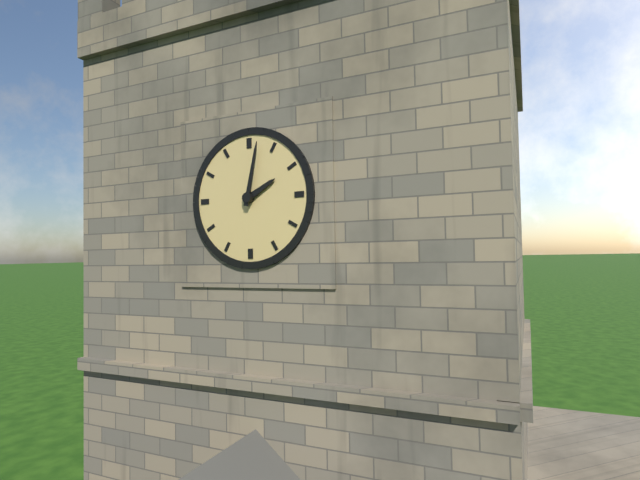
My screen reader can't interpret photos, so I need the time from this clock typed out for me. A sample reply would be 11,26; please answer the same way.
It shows 2,02
